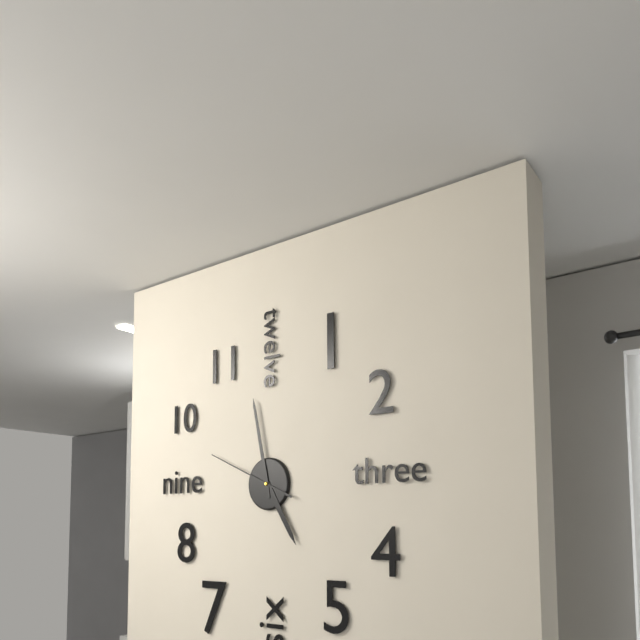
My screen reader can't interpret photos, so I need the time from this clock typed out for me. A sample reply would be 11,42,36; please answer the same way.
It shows 4,58,49
